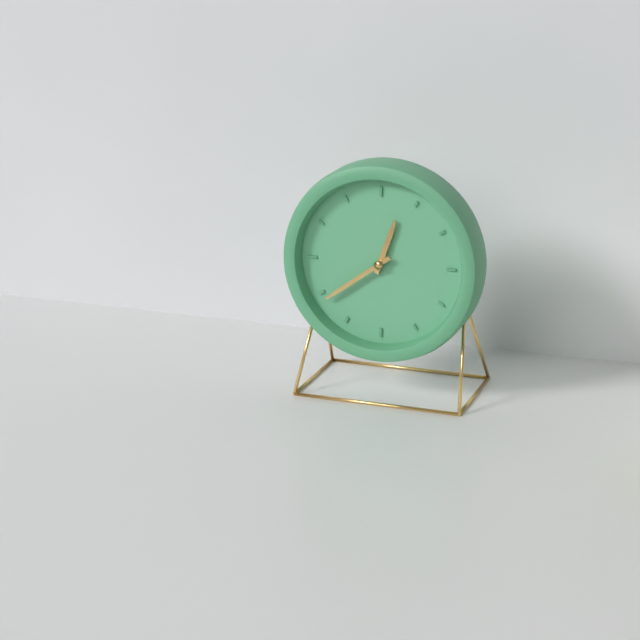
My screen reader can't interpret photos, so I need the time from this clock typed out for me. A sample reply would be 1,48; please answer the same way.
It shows 12,39
